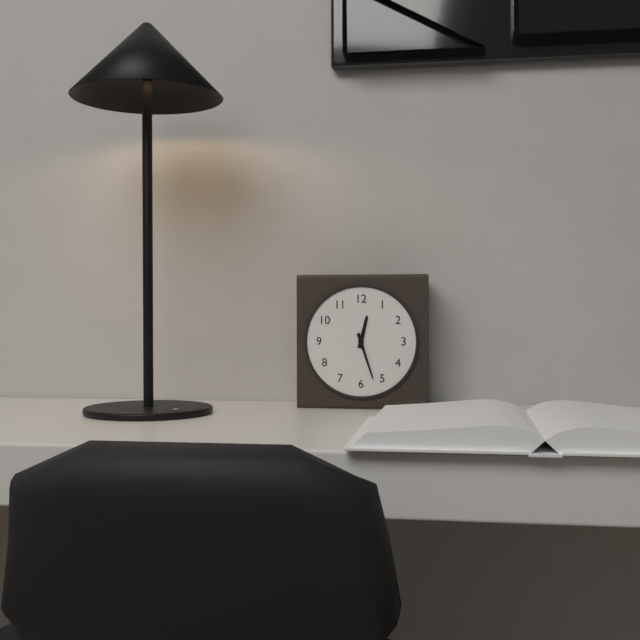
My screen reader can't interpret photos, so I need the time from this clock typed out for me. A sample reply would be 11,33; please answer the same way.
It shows 12,27
